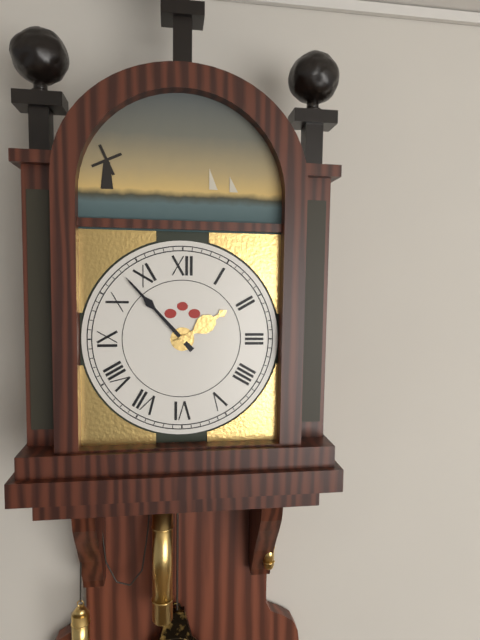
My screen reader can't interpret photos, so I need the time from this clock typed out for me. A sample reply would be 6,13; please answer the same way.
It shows 1,53
